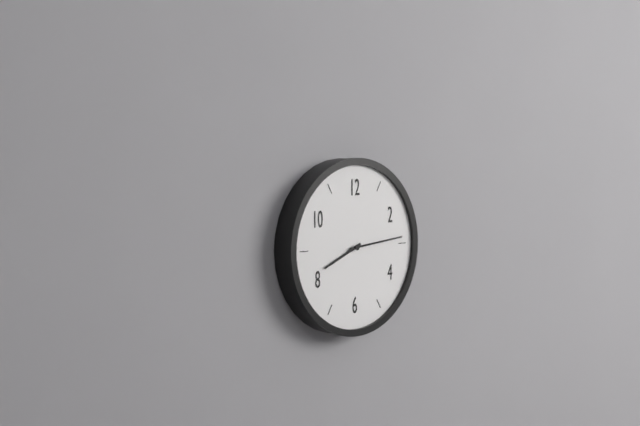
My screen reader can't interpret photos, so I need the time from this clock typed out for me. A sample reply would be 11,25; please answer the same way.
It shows 8,14
